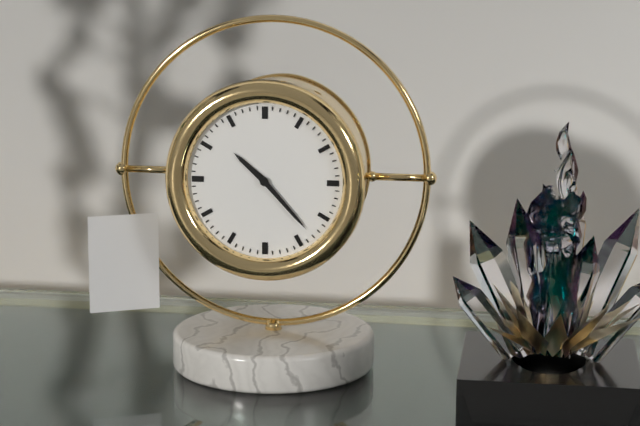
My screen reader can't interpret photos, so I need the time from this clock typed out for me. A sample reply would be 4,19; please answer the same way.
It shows 10,23
